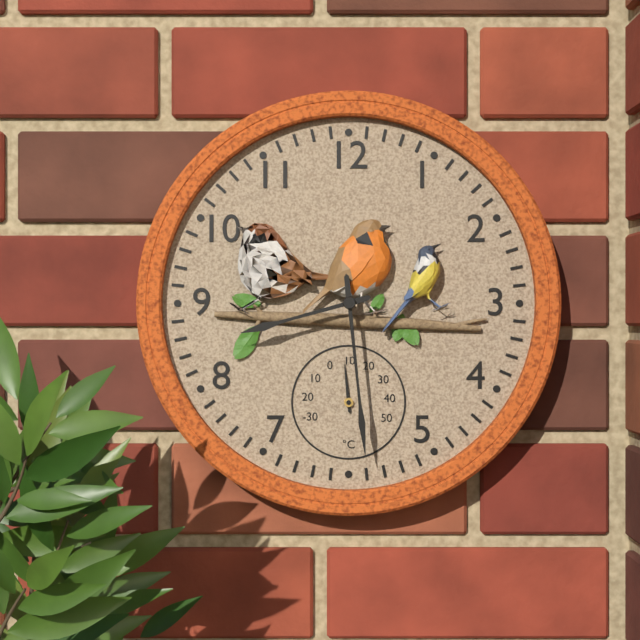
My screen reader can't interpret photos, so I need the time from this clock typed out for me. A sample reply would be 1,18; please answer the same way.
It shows 8,29
